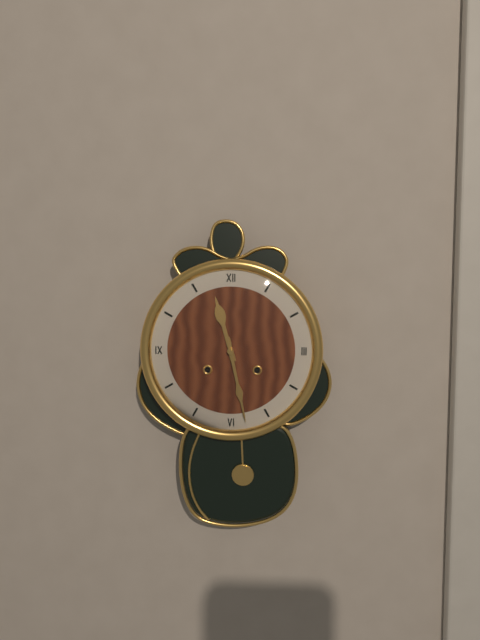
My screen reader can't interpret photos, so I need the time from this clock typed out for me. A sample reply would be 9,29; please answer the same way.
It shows 11,28
